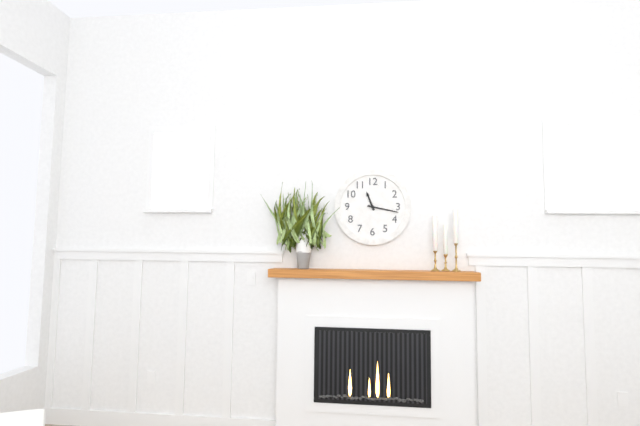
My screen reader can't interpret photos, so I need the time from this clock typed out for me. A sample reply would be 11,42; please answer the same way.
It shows 11,17
